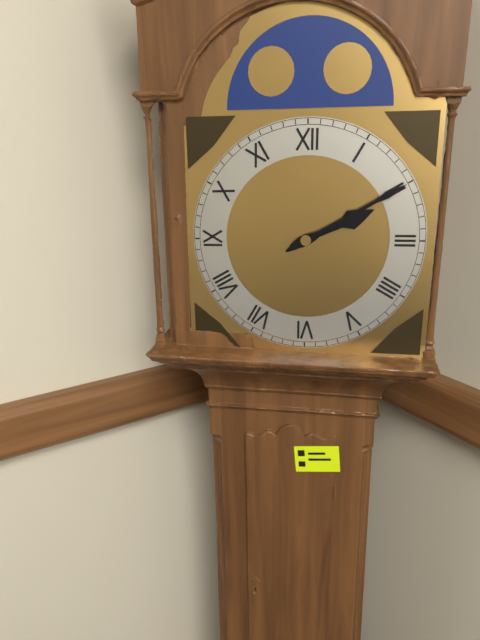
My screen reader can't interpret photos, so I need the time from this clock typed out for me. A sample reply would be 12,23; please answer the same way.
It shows 2,10
